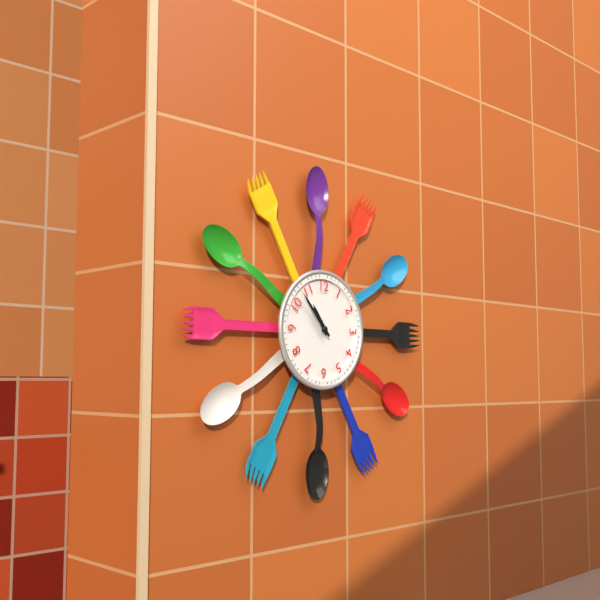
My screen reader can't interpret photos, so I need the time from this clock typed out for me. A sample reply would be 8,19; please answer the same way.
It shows 10,53
